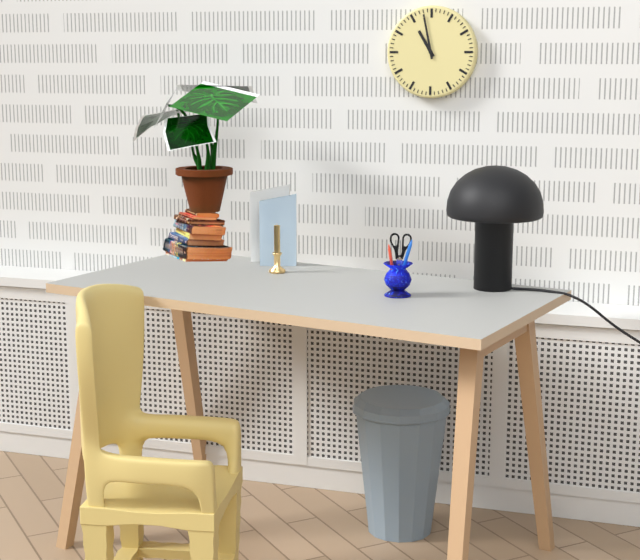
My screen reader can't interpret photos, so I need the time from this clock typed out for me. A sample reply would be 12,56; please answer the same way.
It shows 10,58
